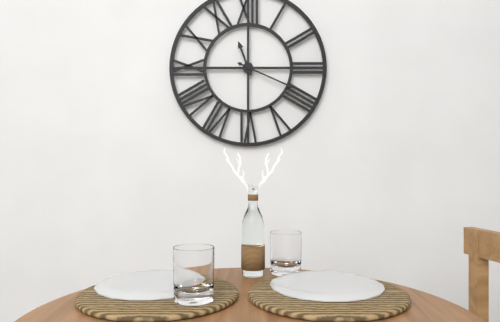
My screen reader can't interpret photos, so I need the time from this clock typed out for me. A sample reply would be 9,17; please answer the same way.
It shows 11,19
